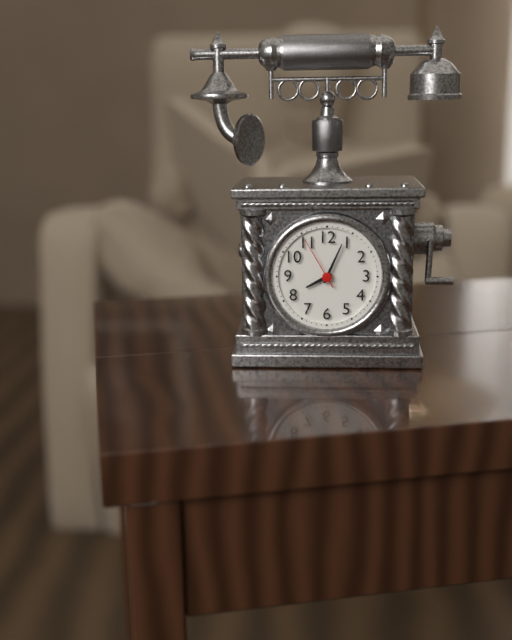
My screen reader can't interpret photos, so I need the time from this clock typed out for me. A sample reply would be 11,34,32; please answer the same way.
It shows 8,04,55
